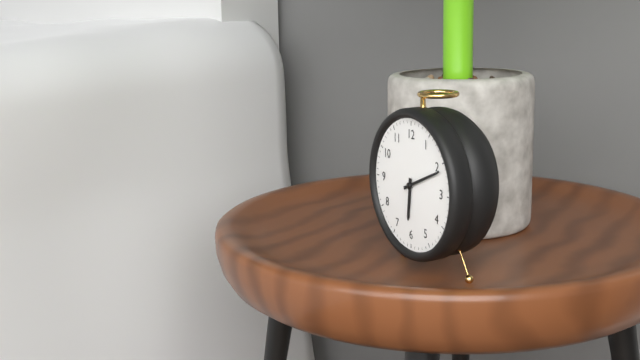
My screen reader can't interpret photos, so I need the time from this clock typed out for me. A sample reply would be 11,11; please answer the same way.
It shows 6,11
